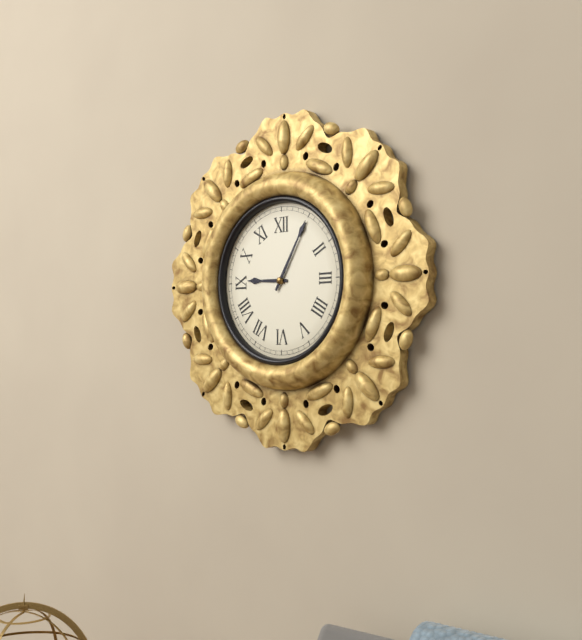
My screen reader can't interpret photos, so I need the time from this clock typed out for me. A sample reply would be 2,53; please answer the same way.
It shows 9,05
